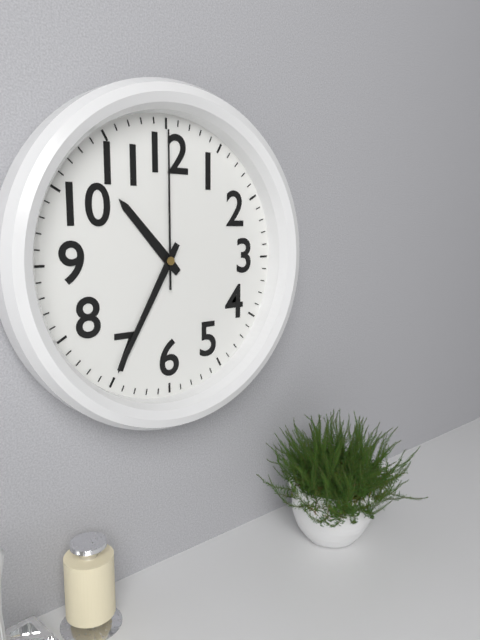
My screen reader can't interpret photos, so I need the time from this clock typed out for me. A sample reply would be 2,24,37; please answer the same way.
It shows 10,35,00
